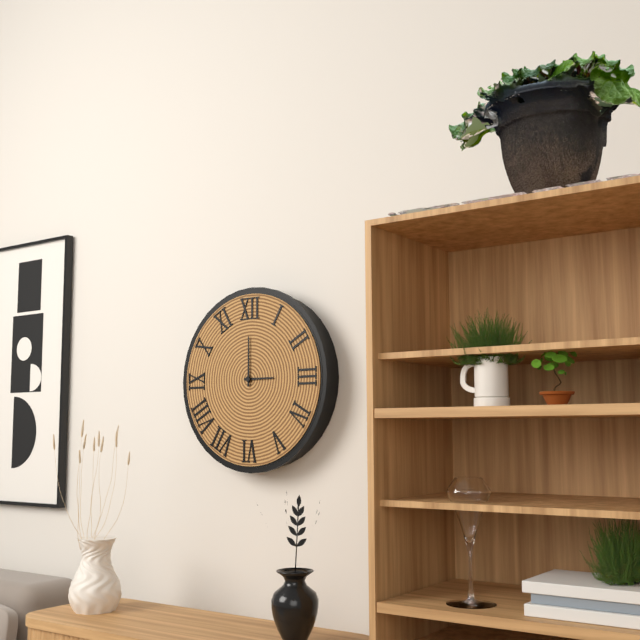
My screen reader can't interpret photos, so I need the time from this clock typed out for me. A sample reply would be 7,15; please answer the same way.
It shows 3,00
